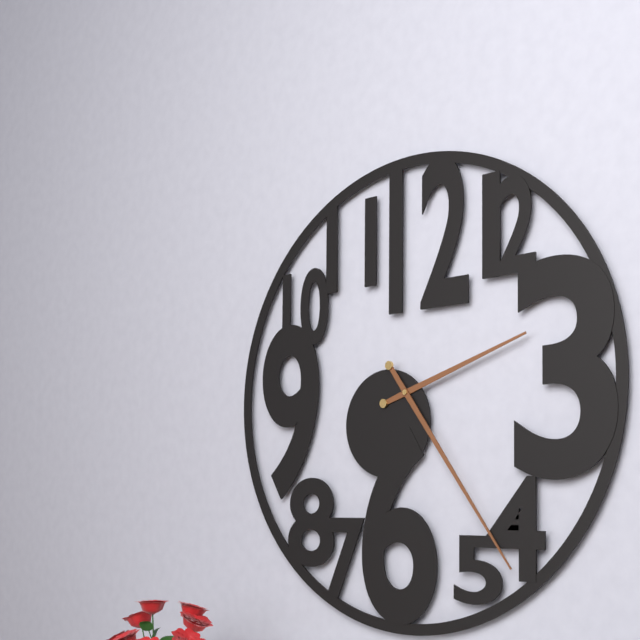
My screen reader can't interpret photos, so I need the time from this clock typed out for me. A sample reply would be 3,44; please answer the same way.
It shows 2,24
